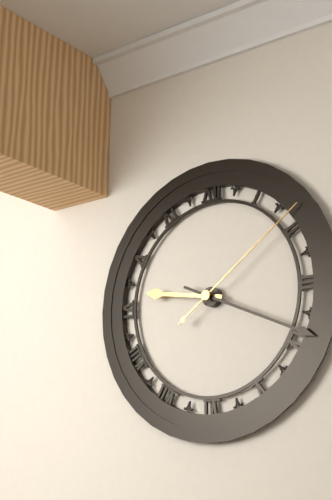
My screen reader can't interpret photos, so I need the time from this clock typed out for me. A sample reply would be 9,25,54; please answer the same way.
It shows 9,19,09
